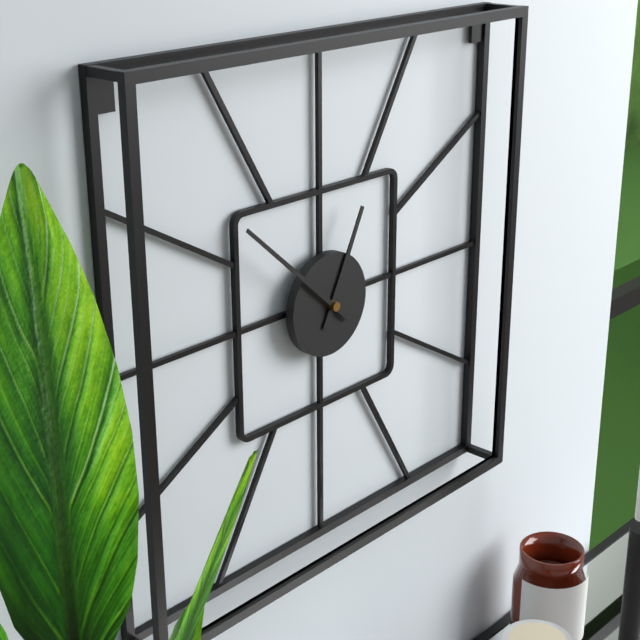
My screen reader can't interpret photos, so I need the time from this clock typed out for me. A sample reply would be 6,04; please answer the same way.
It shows 12,52
